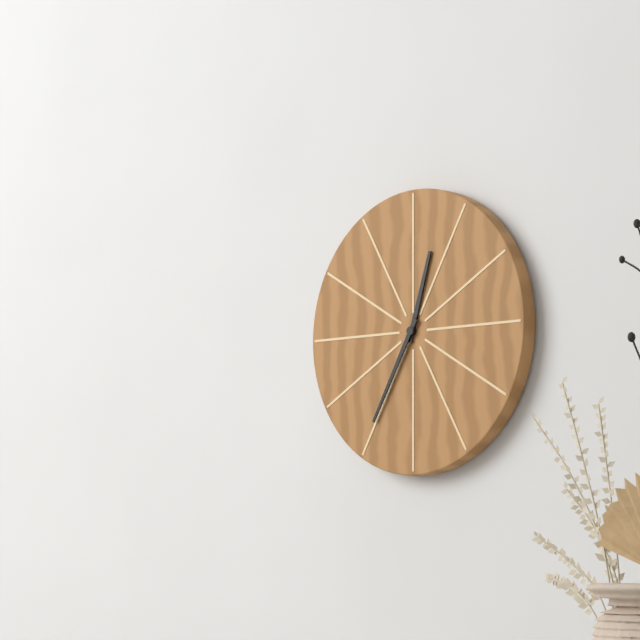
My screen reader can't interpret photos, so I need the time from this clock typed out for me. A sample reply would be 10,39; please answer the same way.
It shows 12,35
